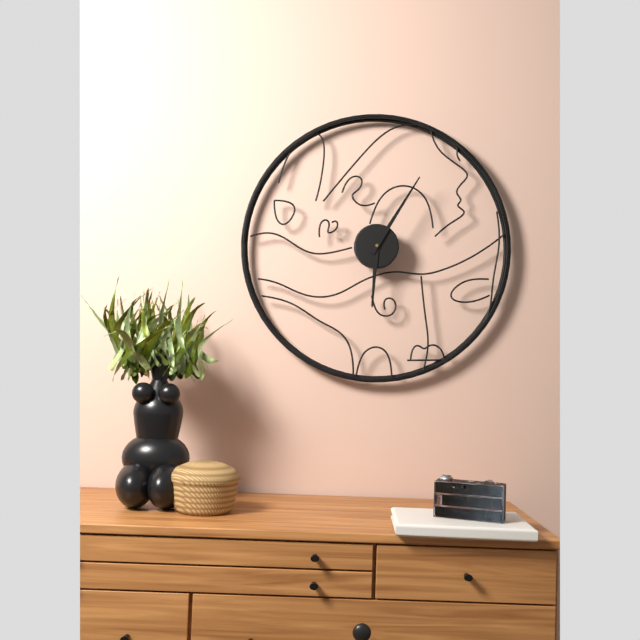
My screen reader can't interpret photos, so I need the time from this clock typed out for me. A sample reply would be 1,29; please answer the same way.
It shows 6,05
